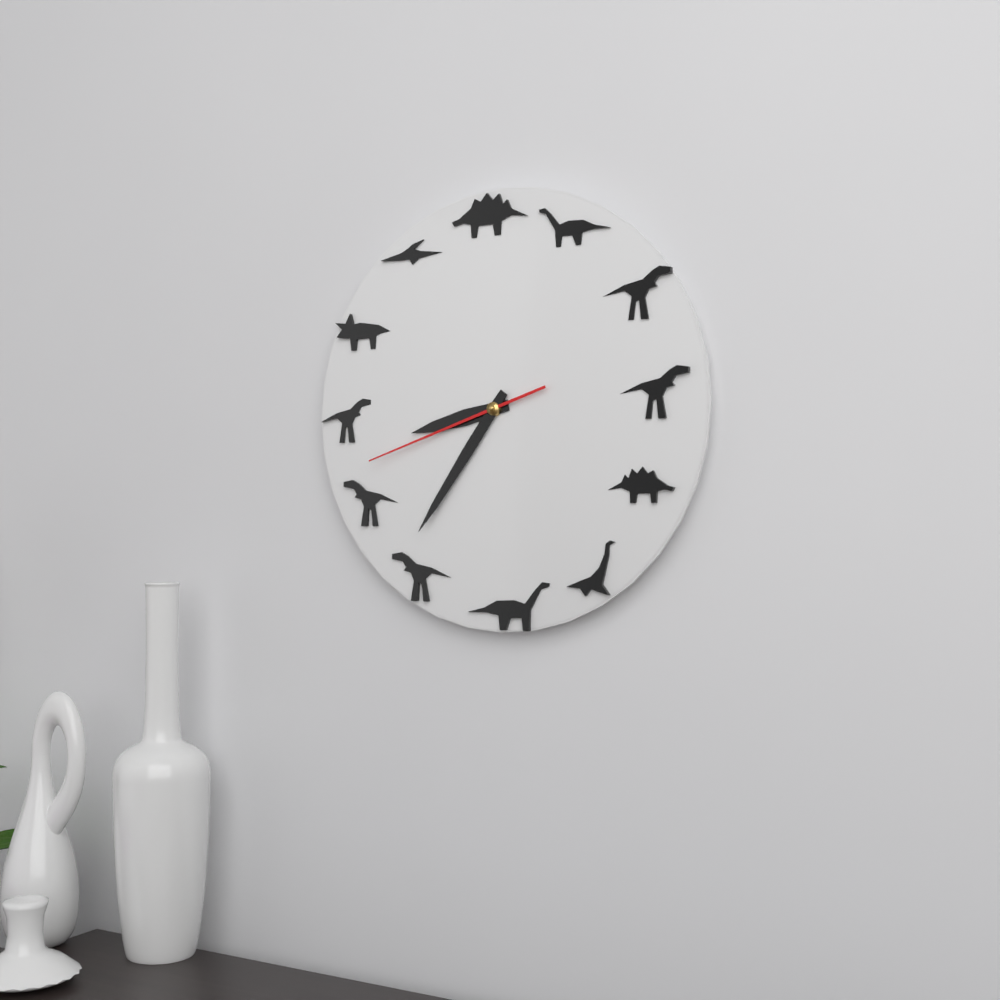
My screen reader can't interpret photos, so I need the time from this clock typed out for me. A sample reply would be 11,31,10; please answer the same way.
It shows 8,36,42
